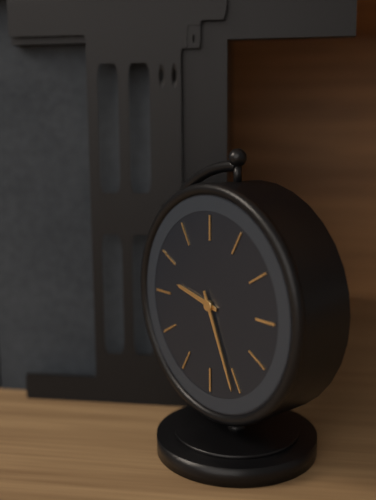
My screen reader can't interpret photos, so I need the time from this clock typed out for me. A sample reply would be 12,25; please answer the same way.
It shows 9,26
